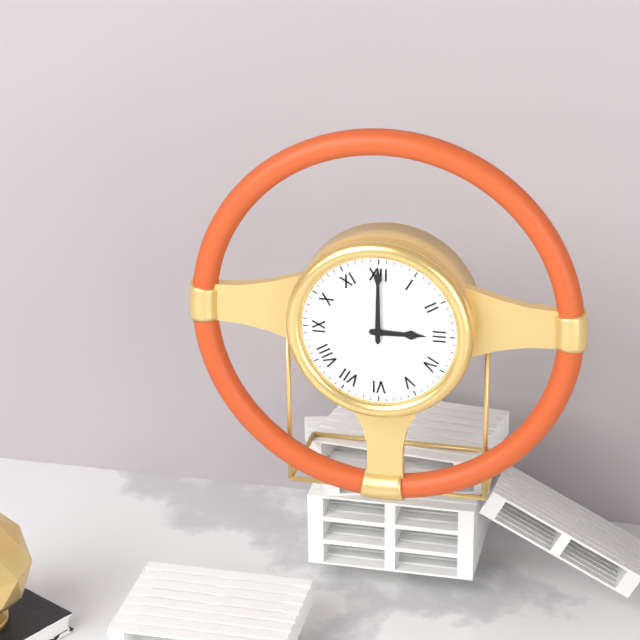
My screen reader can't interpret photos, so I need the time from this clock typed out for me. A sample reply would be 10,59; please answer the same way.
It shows 3,00
